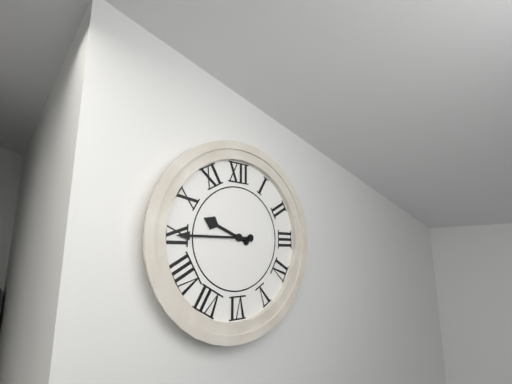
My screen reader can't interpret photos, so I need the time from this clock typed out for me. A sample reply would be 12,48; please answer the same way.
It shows 9,45
